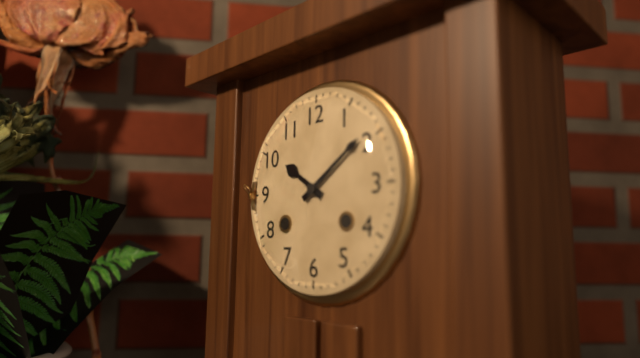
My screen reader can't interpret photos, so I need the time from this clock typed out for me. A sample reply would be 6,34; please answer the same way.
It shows 10,09
